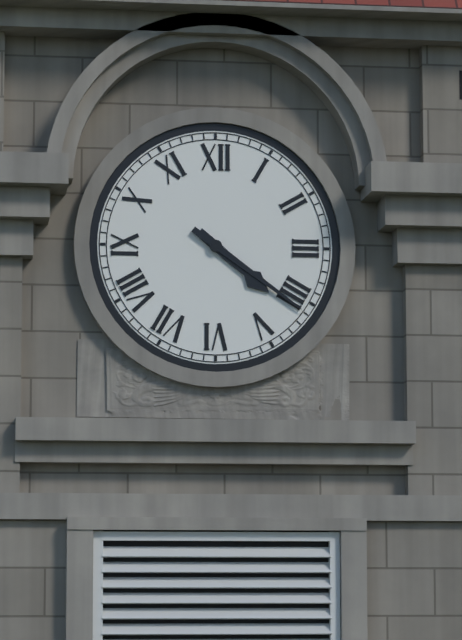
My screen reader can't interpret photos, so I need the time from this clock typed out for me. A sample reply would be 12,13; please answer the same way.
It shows 4,21
